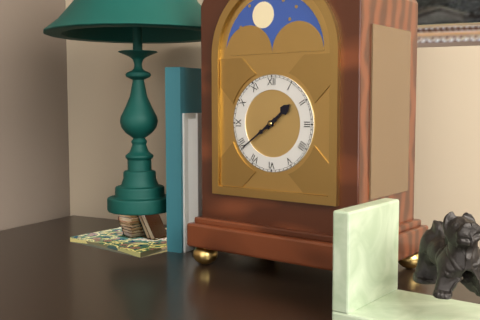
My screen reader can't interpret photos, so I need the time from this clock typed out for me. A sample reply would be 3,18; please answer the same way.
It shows 1,39
